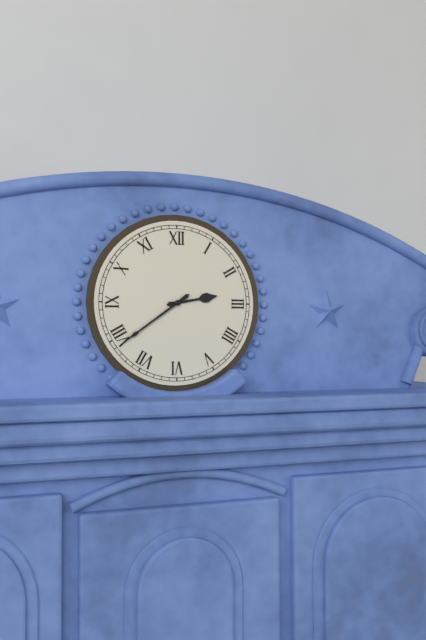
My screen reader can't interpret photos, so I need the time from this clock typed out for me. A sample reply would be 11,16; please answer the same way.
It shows 2,39
